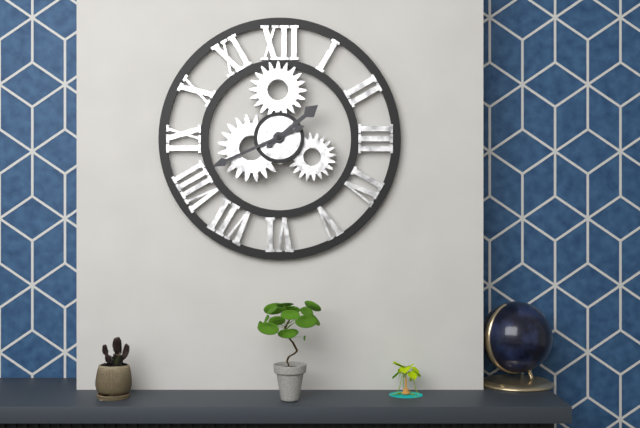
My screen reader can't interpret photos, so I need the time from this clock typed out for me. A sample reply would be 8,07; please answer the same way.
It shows 1,41
